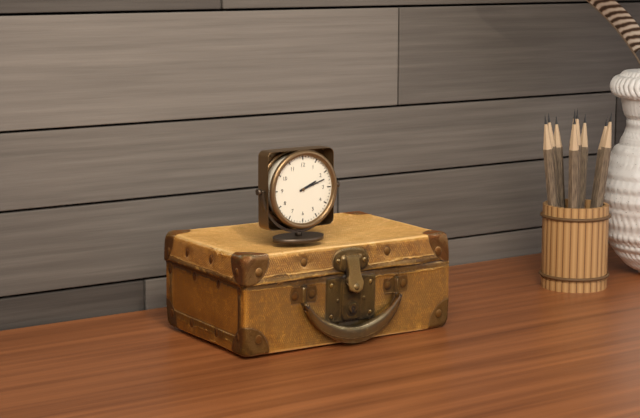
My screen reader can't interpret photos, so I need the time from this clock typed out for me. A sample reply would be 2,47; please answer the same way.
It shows 2,12
